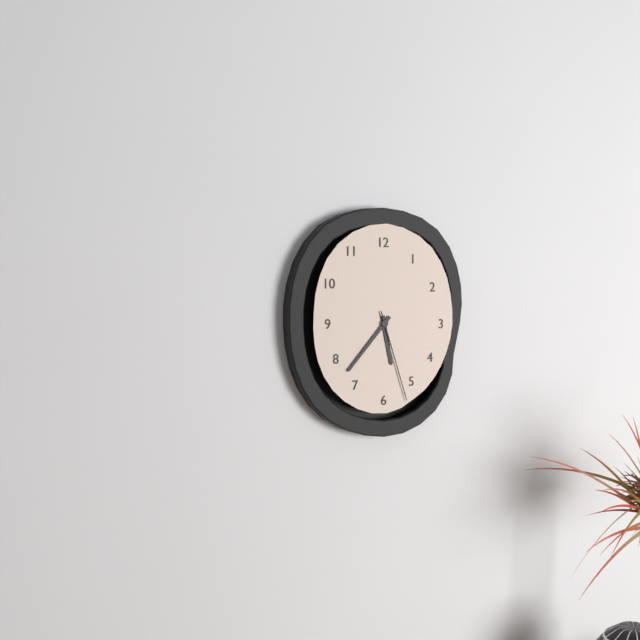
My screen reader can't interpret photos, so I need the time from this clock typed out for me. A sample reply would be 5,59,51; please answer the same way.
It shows 5,37,27
